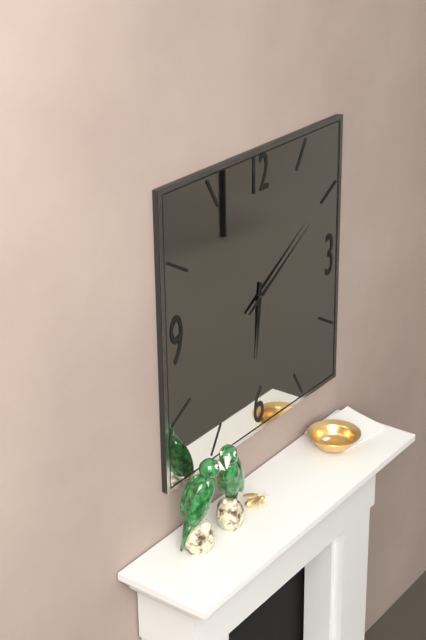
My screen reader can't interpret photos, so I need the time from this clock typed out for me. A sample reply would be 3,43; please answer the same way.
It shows 6,10
